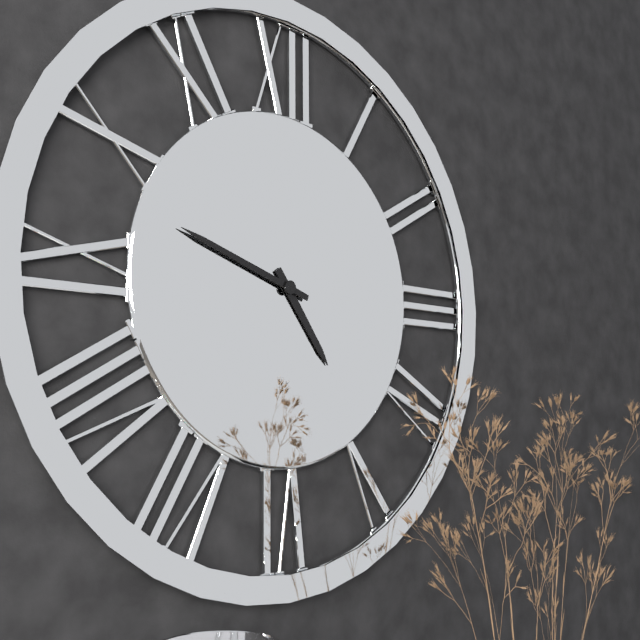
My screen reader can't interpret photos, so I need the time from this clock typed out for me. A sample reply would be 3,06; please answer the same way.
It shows 4,48
